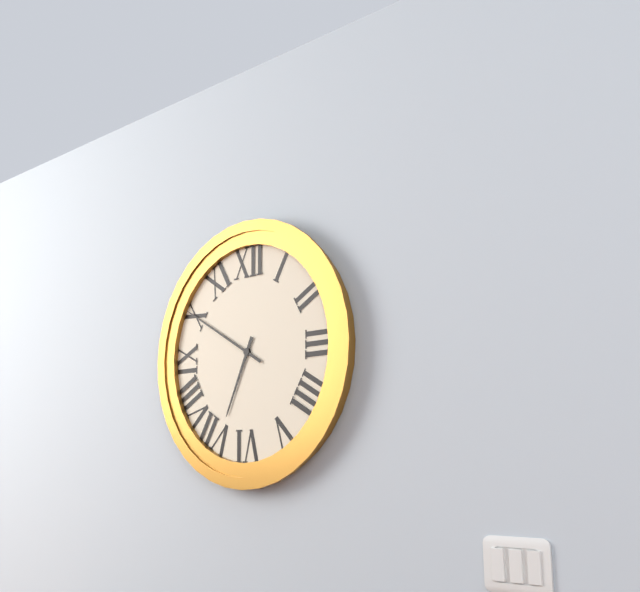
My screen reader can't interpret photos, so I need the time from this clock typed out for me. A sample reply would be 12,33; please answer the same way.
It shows 6,50
